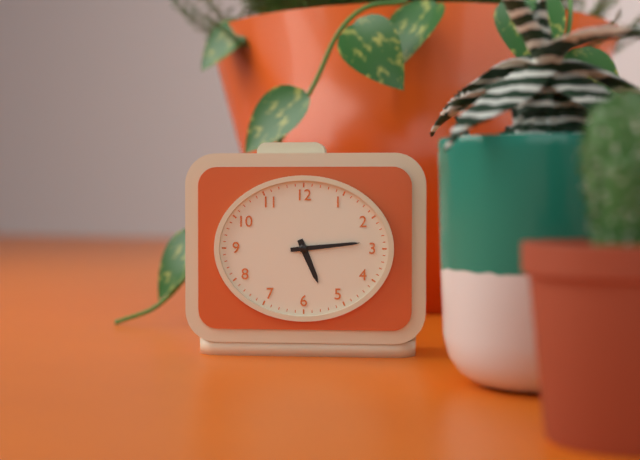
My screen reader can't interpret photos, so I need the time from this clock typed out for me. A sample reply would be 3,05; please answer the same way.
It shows 5,14
